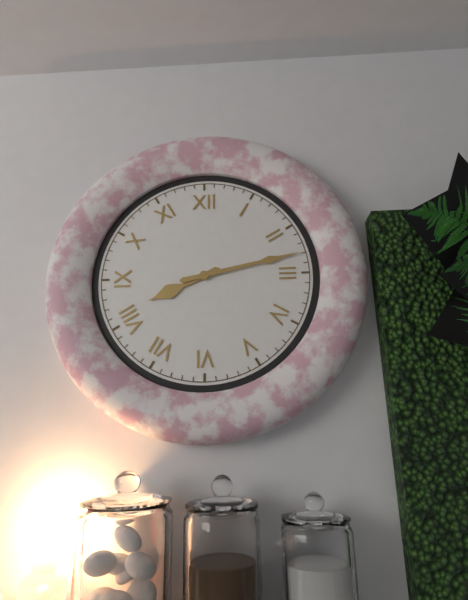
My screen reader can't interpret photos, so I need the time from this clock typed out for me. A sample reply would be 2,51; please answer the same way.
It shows 8,13
